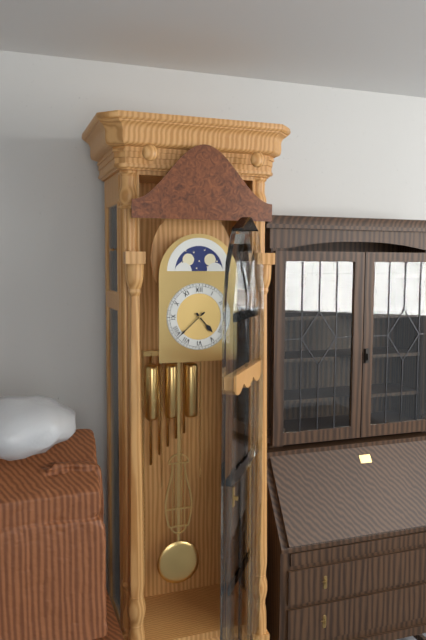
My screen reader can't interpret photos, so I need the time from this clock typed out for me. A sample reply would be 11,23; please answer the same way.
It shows 4,38
